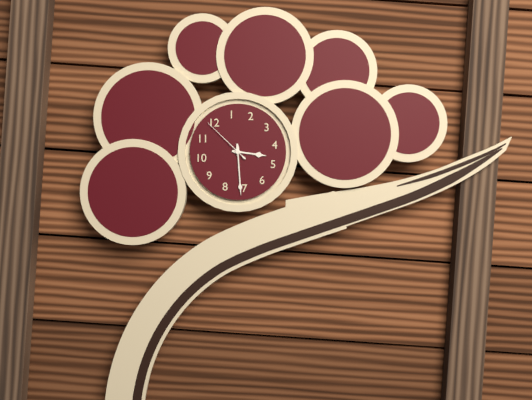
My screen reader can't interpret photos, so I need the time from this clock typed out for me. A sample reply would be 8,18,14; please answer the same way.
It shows 4,36,59
